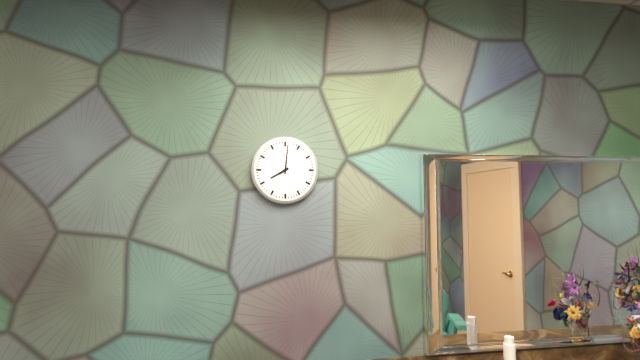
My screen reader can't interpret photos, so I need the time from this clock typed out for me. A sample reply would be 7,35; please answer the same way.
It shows 8,01
